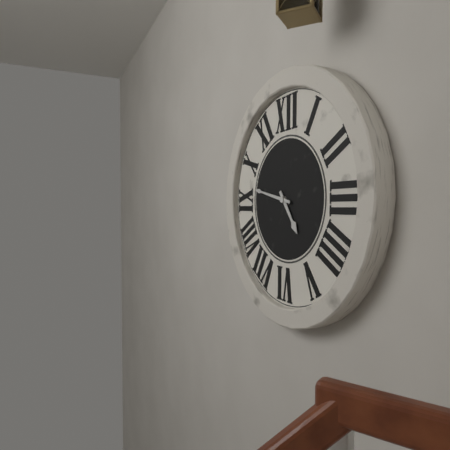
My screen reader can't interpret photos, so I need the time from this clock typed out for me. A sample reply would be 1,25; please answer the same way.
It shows 4,47
